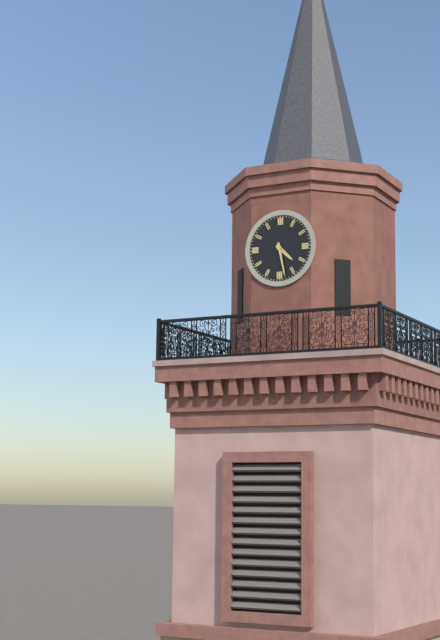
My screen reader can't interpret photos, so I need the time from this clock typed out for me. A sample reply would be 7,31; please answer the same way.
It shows 4,28
